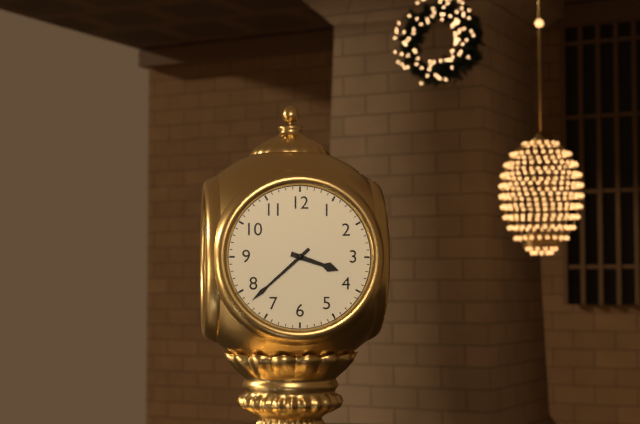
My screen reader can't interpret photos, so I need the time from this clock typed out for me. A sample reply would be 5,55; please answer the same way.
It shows 3,38
